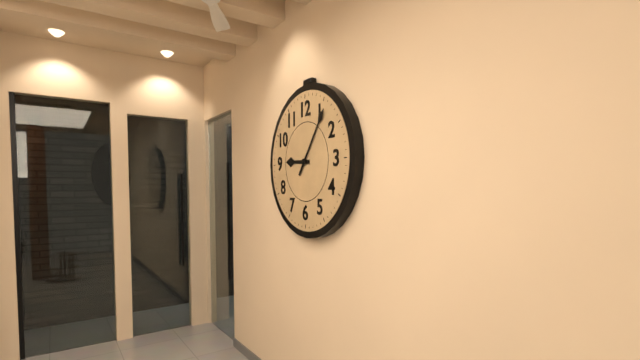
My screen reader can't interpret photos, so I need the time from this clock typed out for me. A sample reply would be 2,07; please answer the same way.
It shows 9,06
